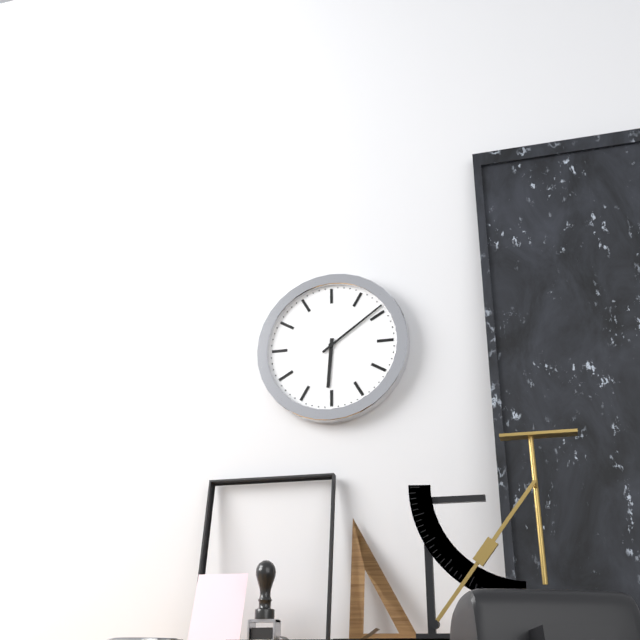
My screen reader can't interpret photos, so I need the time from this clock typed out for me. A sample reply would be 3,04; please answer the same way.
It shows 6,09
